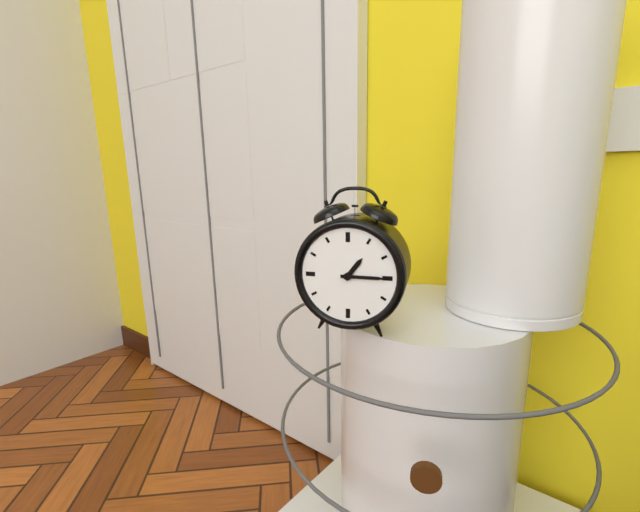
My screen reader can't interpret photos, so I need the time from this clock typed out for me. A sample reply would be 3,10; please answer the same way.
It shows 1,15
